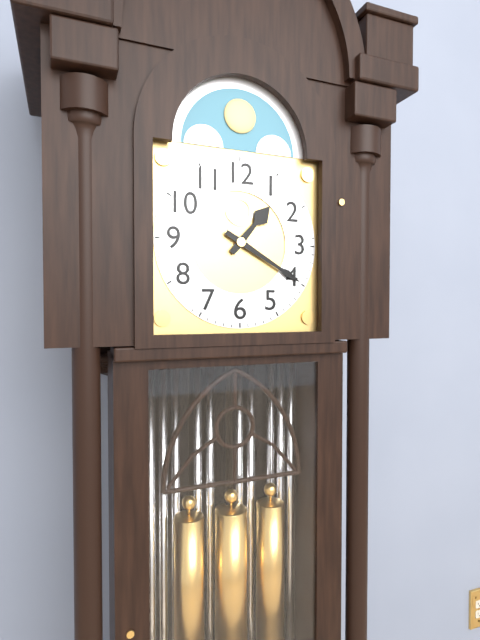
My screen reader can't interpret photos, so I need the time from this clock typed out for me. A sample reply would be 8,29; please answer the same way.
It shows 1,20
